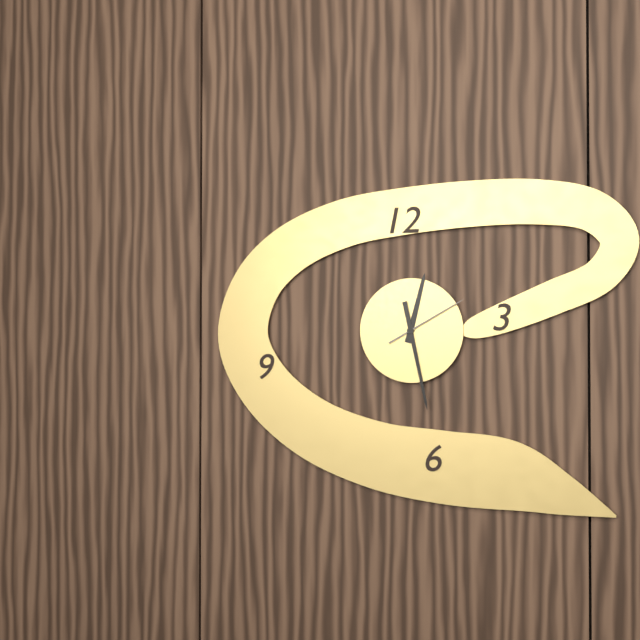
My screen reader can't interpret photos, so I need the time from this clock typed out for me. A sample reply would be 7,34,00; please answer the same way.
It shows 12,28,10
